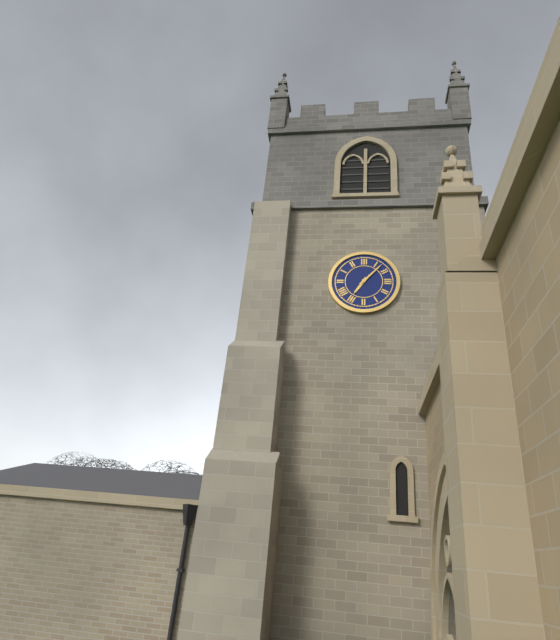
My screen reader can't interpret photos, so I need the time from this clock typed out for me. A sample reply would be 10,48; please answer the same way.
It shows 7,07
